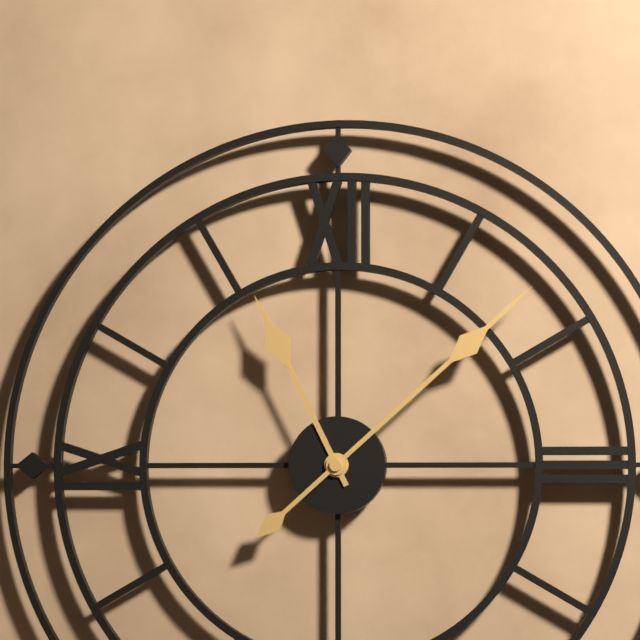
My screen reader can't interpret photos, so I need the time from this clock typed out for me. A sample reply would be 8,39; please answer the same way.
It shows 11,08
